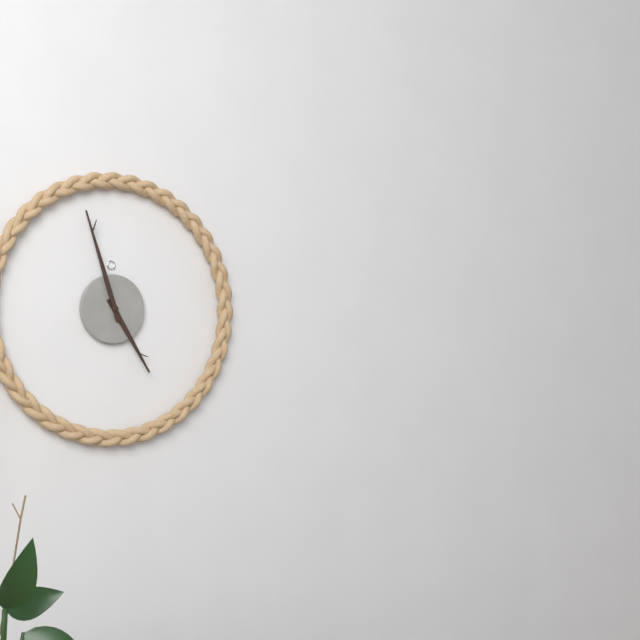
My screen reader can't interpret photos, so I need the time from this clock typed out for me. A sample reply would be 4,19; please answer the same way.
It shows 4,57
